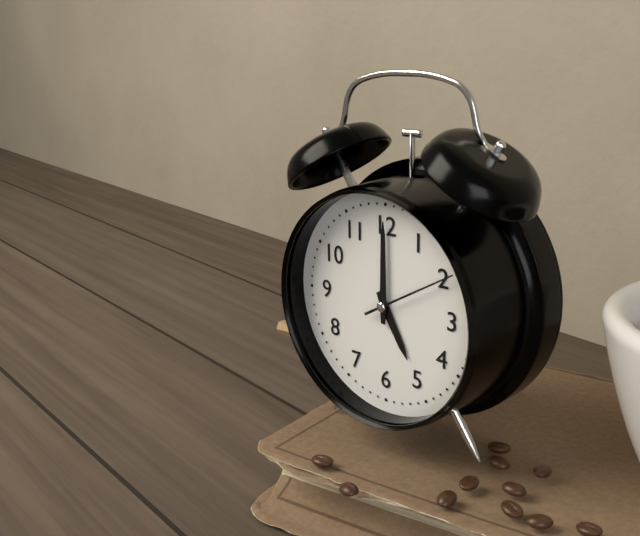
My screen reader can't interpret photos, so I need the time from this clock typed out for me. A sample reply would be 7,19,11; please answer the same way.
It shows 5,00,10
